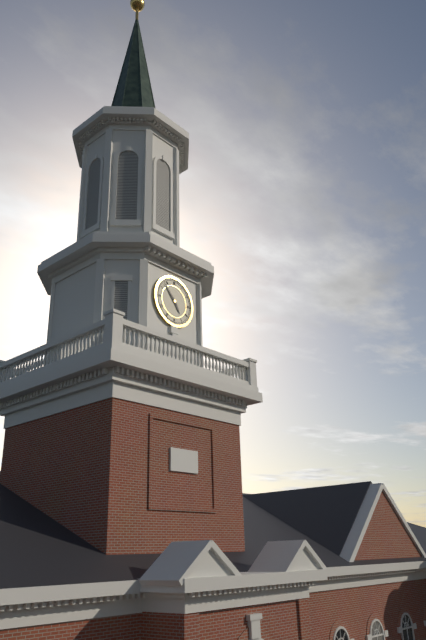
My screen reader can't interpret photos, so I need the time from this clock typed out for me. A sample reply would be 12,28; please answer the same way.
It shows 4,53
